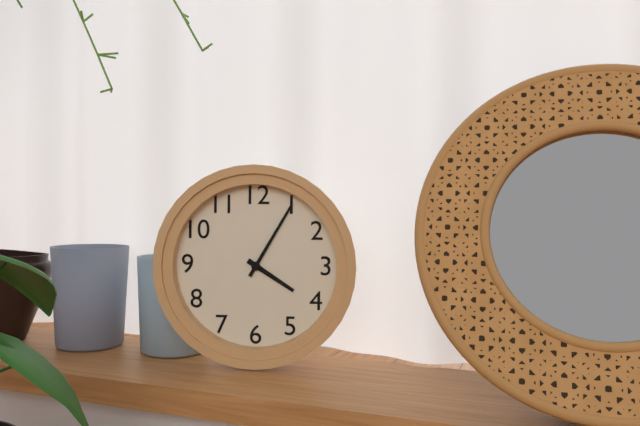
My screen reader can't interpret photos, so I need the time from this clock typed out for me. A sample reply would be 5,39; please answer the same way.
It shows 4,05
